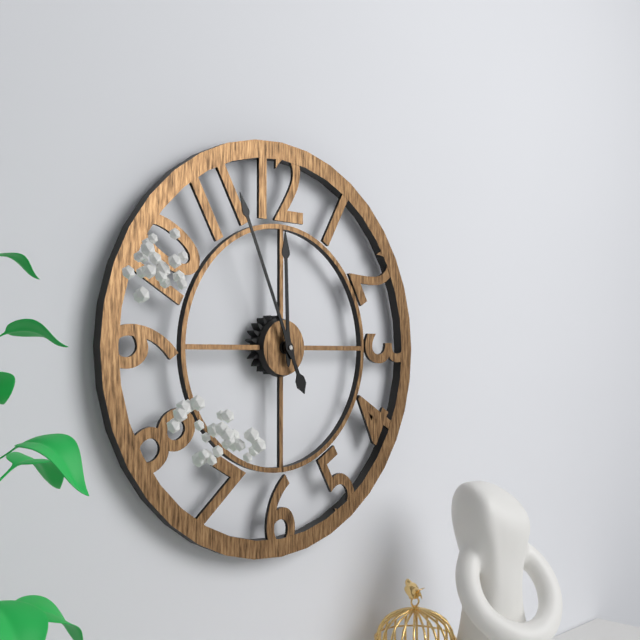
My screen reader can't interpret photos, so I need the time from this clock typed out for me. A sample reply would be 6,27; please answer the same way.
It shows 11,56
